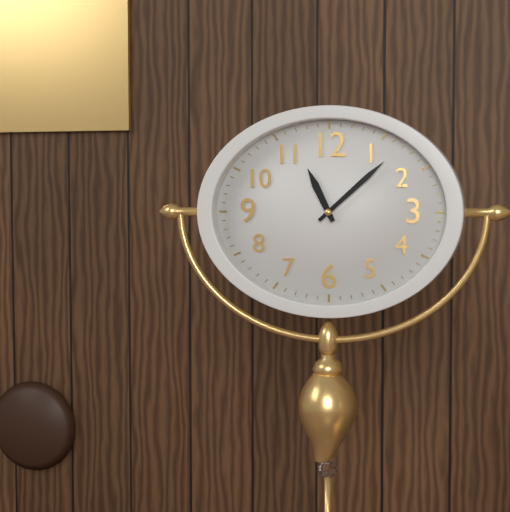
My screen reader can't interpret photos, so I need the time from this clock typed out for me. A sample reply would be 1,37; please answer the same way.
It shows 11,08
